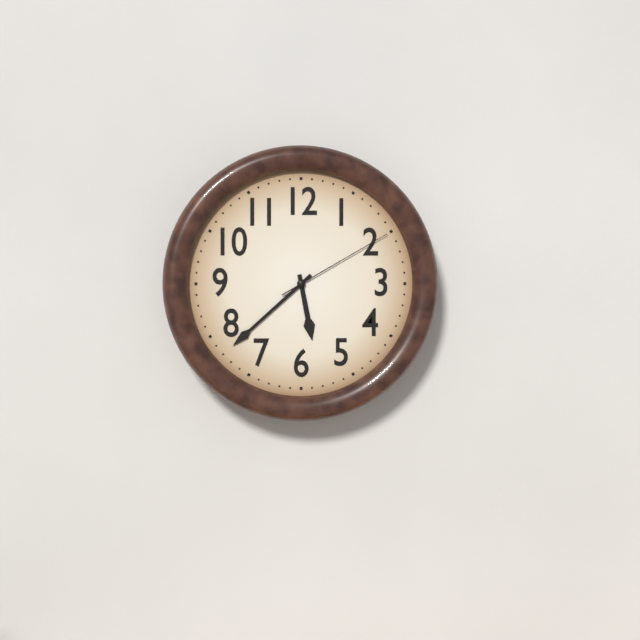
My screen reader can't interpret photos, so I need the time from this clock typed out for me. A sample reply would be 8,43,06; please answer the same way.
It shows 5,38,10
